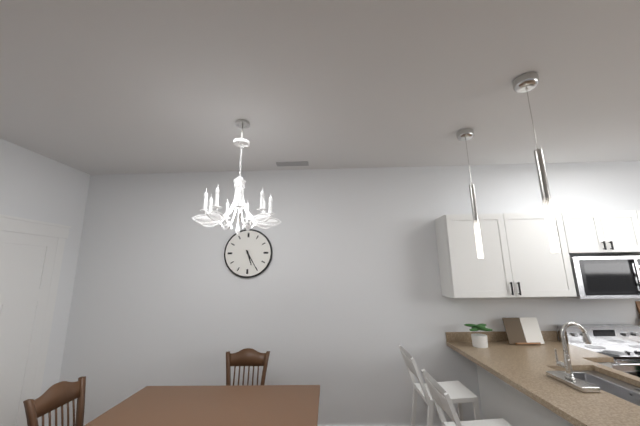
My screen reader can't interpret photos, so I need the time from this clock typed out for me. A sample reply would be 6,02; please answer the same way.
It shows 5,25
